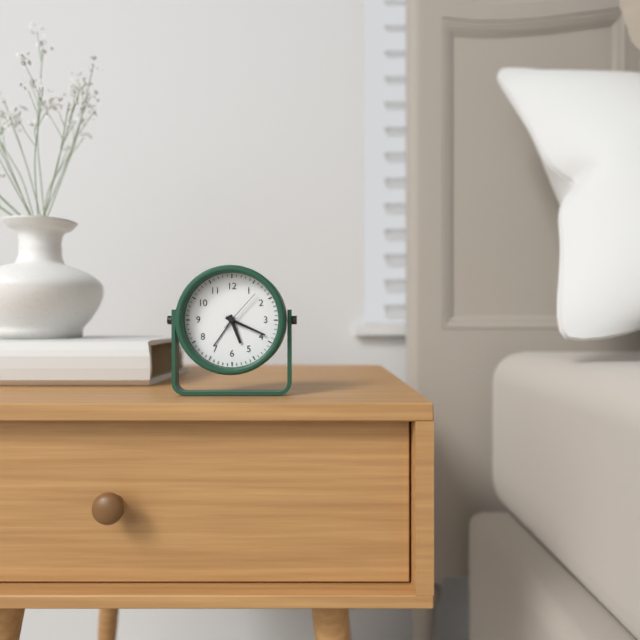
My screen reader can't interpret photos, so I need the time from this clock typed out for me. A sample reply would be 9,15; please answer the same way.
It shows 5,19
